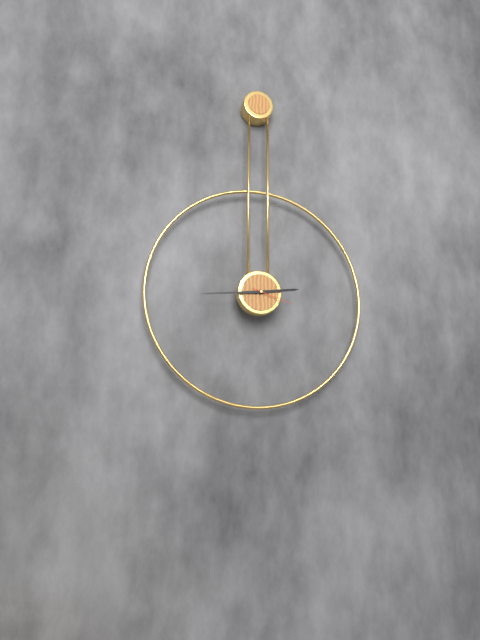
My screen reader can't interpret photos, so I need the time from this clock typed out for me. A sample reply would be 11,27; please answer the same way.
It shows 2,44
